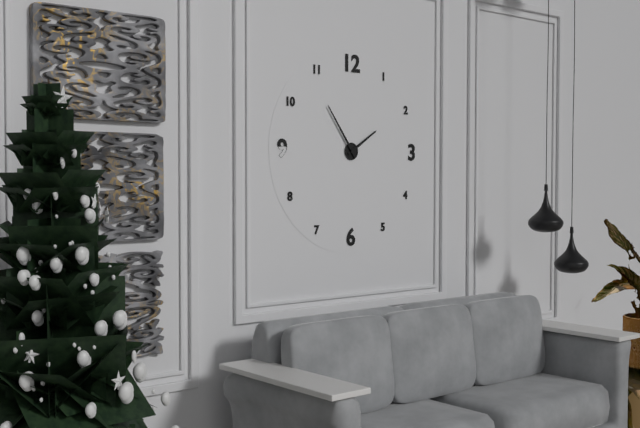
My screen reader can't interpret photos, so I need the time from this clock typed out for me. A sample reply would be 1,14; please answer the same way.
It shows 1,54
